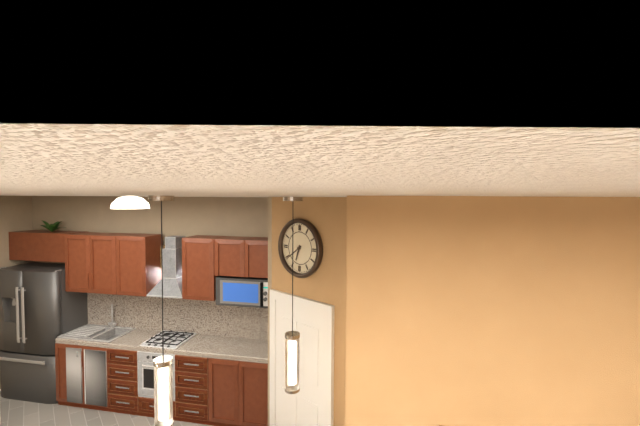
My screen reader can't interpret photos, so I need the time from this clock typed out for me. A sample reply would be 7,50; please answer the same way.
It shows 6,39
